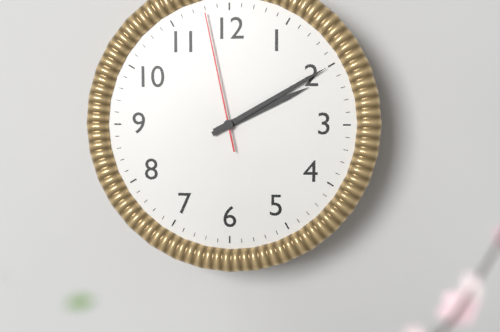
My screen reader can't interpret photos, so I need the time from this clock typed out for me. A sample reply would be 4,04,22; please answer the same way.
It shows 2,10,58
